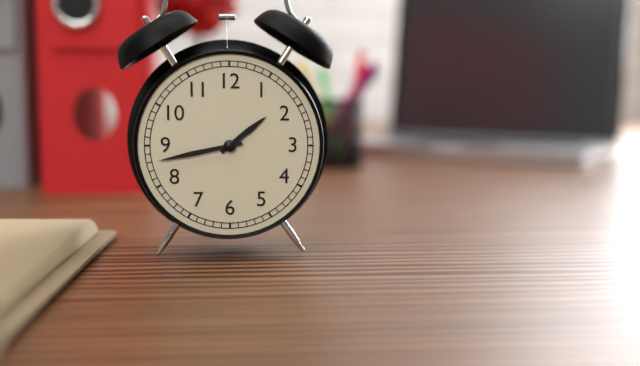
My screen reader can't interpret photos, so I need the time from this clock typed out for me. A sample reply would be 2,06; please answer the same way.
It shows 1,43
